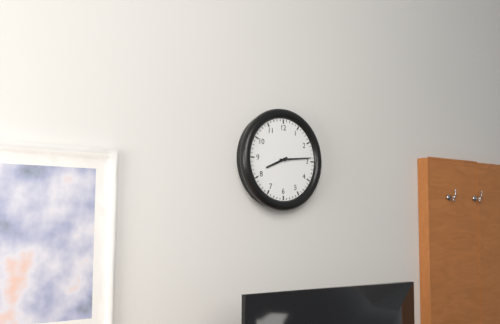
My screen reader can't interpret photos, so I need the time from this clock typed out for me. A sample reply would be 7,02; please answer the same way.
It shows 8,14
